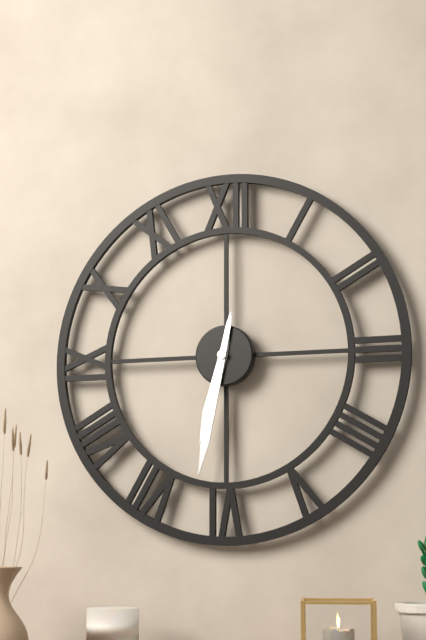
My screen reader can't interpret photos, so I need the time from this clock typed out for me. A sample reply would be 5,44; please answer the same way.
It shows 6,32
